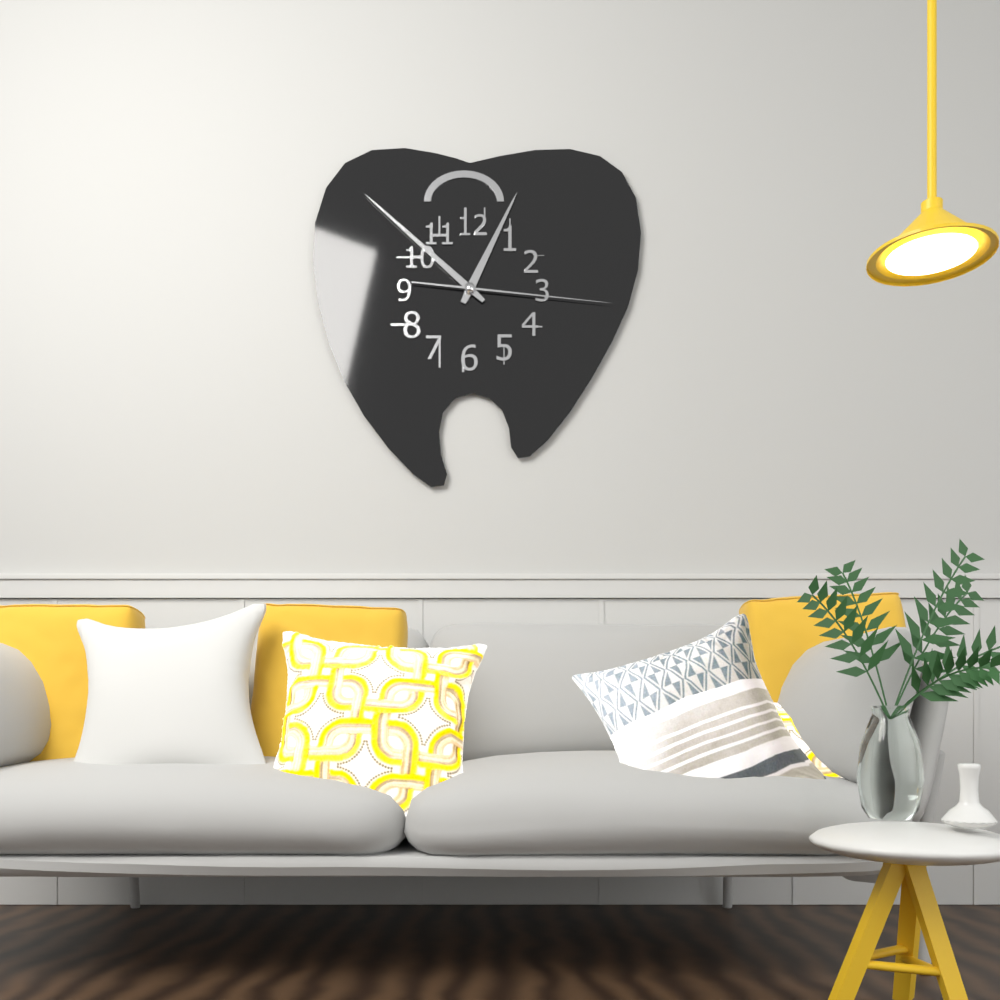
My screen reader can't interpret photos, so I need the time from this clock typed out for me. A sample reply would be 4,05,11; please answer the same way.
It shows 12,52,16
